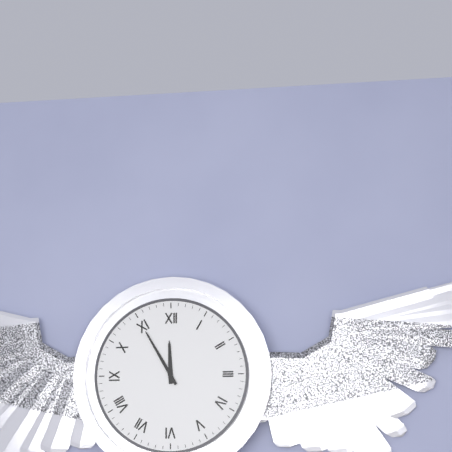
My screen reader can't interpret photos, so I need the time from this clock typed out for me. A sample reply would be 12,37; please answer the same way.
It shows 11,55
